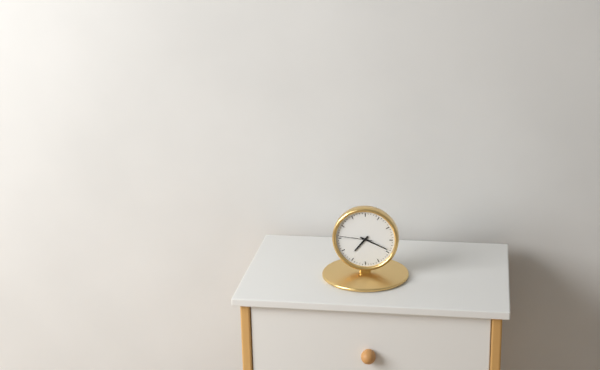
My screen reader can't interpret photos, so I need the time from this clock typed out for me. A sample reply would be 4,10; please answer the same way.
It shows 7,19
